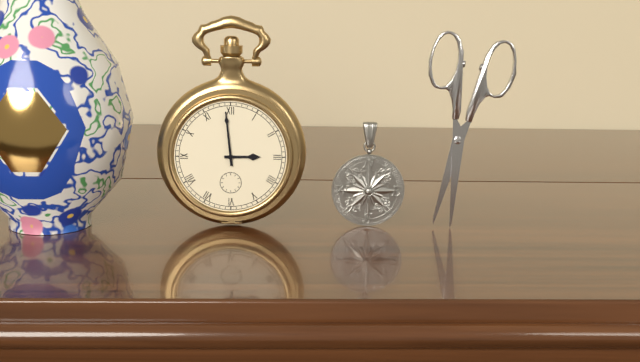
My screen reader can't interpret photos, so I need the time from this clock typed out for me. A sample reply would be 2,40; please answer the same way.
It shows 2,59
